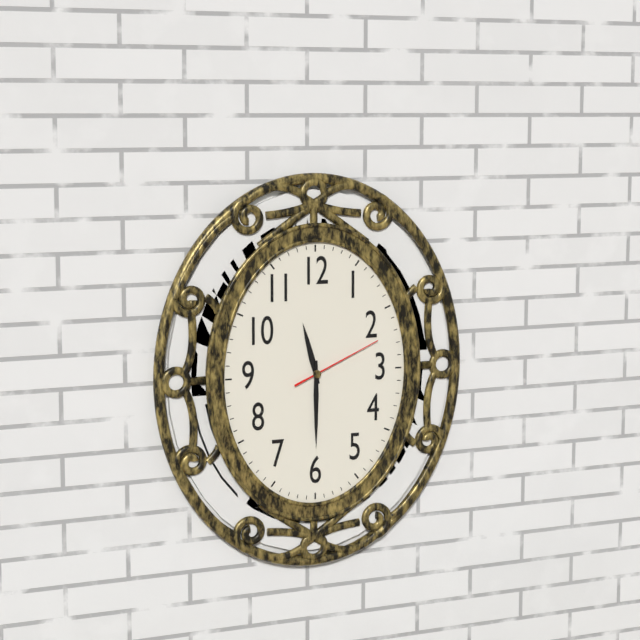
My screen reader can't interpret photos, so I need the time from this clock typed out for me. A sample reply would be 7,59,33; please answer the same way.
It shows 11,30,11
